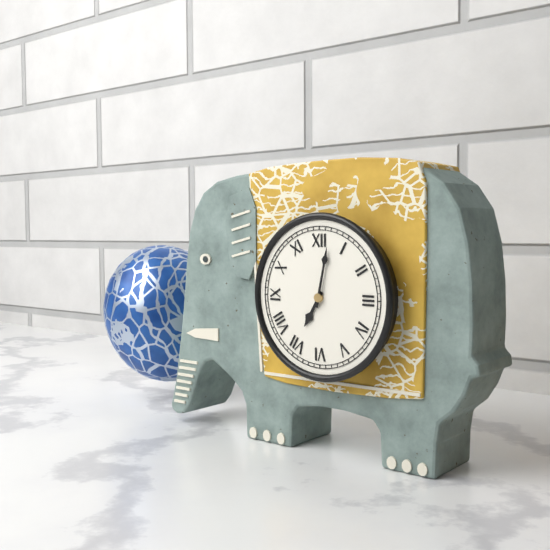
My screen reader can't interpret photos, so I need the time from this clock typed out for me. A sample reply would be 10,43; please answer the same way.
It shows 7,02
